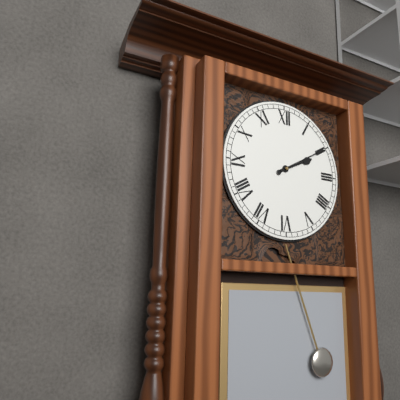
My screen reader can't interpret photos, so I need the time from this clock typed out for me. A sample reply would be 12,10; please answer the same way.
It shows 2,10
